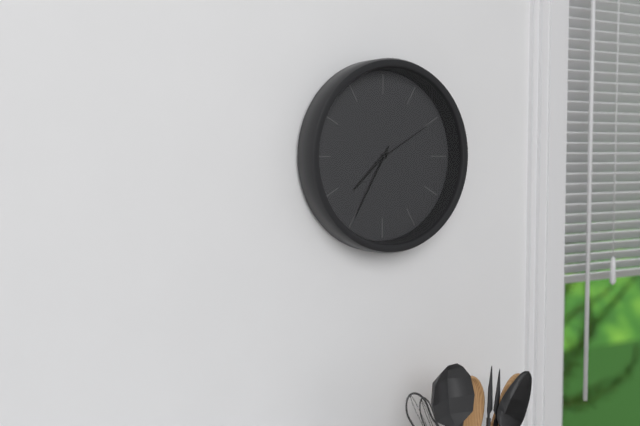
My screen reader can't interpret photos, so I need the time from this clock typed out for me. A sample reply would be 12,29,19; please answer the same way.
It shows 7,35,10
